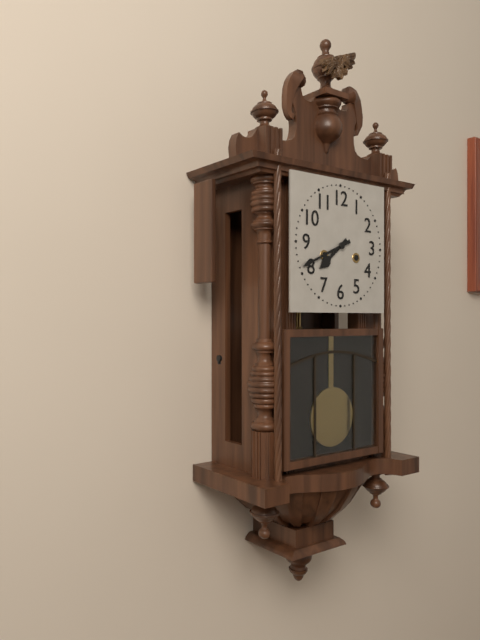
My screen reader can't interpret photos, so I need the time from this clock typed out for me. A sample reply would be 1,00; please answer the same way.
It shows 7,41
